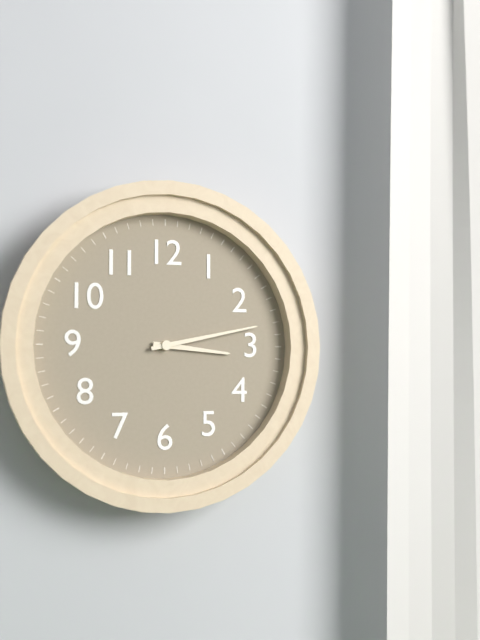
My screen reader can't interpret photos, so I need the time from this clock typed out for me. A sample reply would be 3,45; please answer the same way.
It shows 3,13
